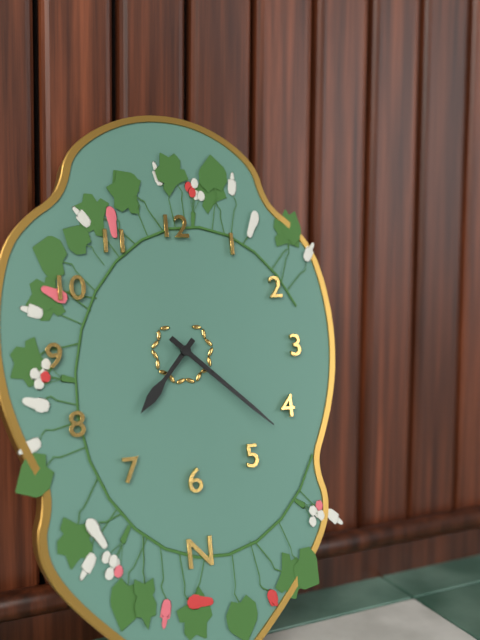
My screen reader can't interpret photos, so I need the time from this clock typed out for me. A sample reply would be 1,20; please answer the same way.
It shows 7,22
